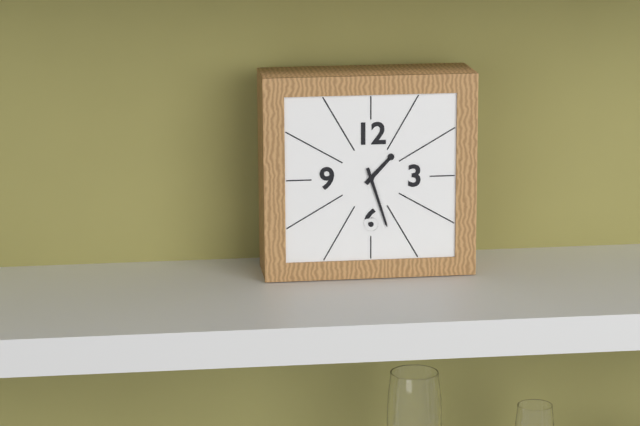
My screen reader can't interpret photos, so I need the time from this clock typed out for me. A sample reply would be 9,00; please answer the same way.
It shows 1,27
